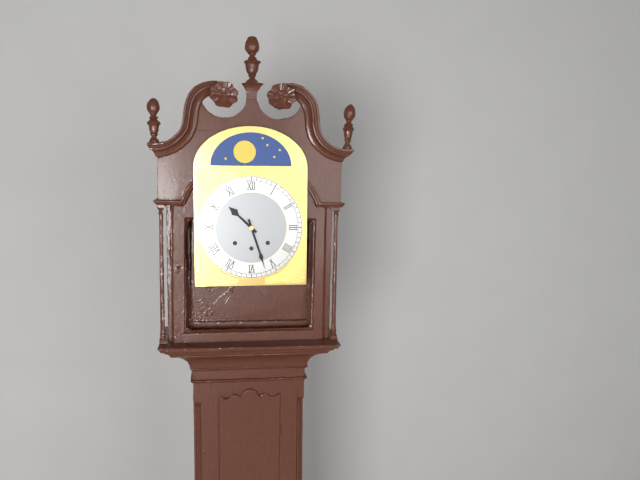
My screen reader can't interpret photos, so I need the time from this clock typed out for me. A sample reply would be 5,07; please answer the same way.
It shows 10,27
